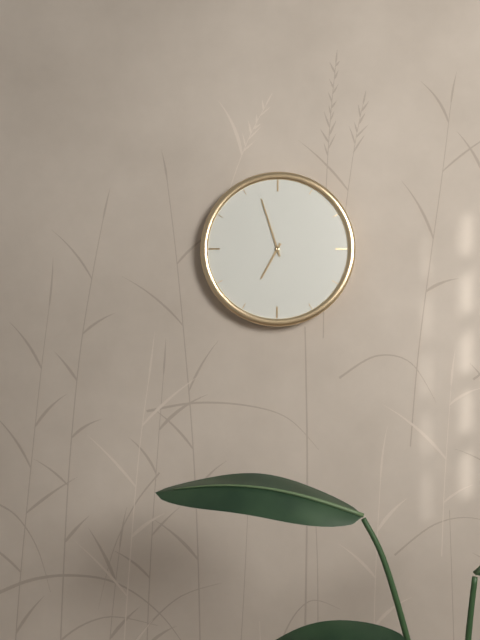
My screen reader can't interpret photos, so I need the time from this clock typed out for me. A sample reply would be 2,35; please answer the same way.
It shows 6,57
